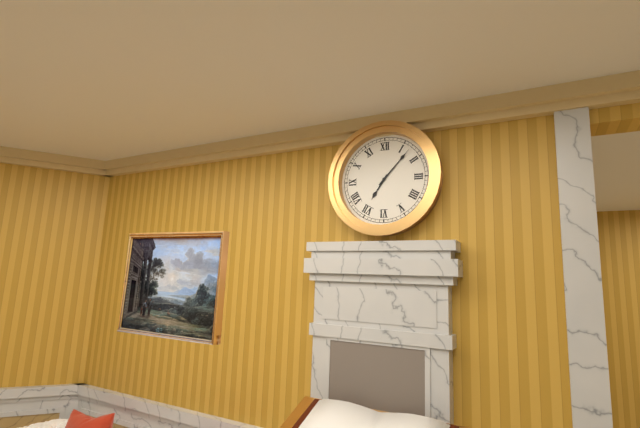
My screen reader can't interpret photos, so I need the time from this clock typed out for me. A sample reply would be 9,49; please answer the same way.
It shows 7,07
